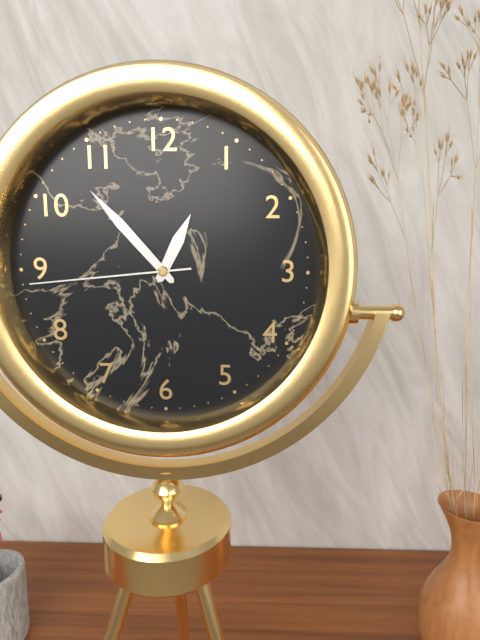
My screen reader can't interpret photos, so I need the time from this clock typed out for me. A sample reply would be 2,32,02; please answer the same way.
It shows 12,53,44
